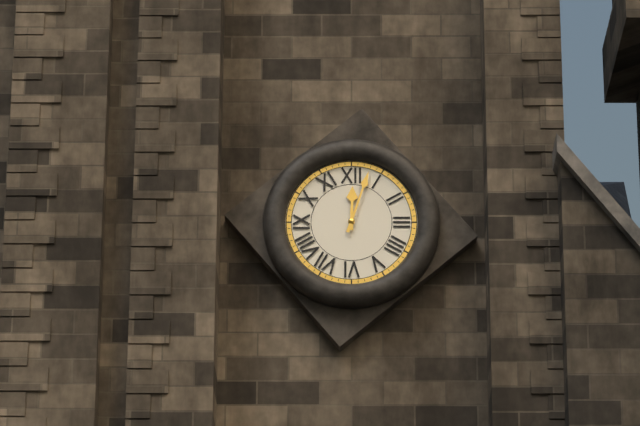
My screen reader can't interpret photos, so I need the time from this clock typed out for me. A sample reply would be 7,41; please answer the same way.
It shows 12,03
